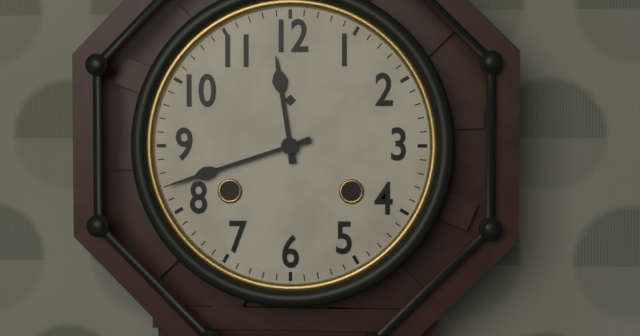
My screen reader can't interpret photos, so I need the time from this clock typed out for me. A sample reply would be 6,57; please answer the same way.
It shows 11,42
